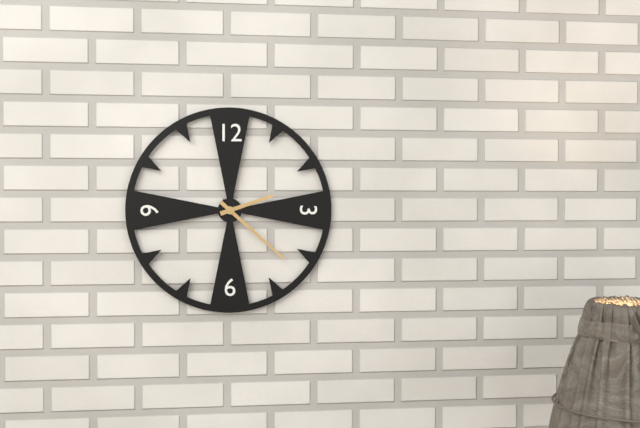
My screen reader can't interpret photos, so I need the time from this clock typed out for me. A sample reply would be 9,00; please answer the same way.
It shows 2,22
